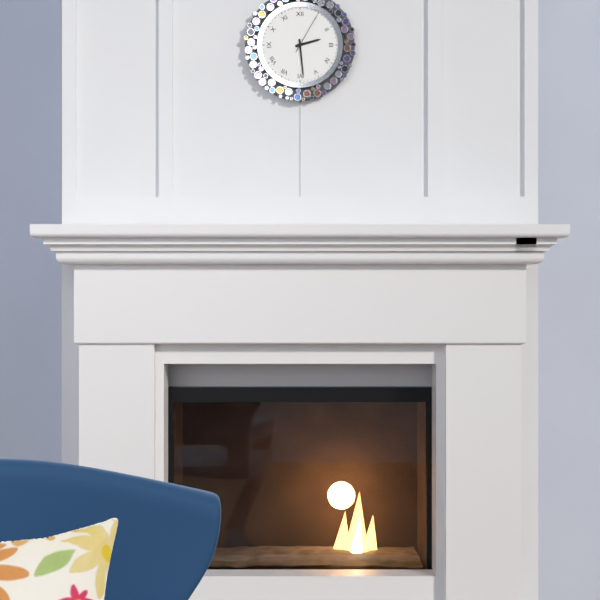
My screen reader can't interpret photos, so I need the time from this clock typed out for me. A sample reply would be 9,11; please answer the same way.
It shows 2,29
